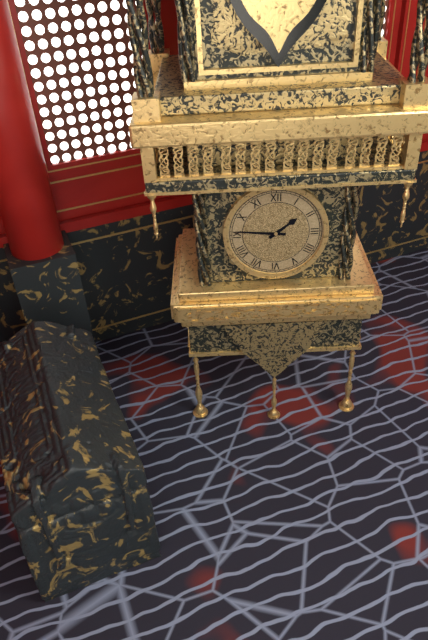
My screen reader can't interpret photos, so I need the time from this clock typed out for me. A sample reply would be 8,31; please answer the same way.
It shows 1,46
